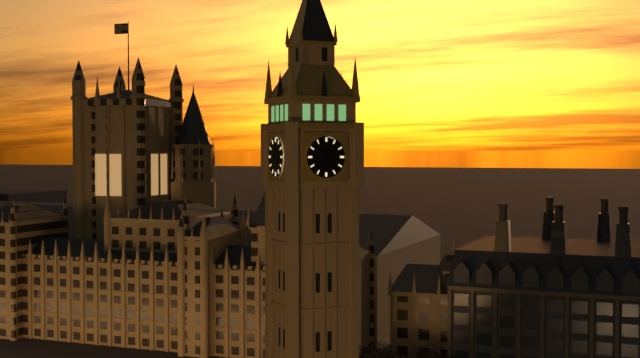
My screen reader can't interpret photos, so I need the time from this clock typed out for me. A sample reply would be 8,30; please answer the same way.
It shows 11,55
